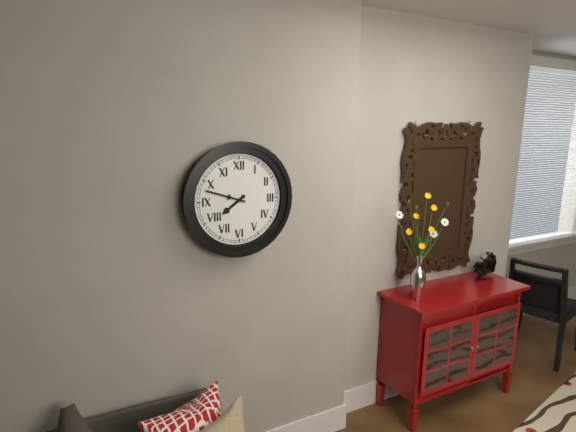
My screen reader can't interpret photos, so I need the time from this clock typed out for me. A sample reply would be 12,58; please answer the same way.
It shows 7,48
